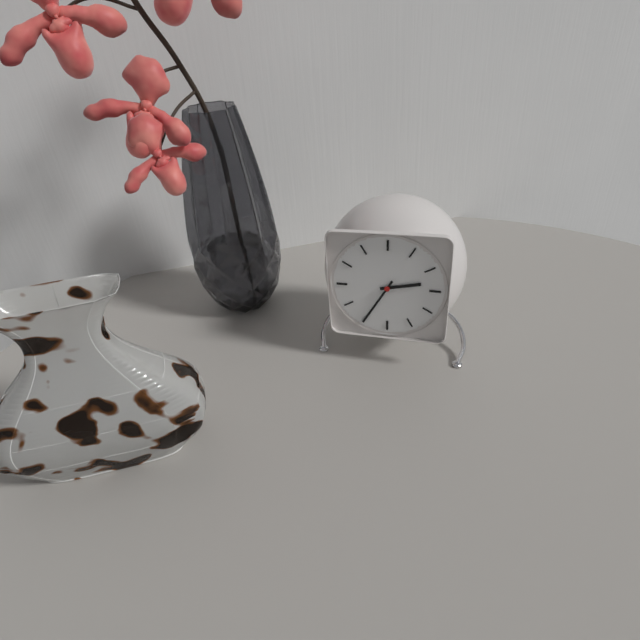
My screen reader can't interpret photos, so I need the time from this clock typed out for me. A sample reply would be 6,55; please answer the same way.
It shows 2,35
